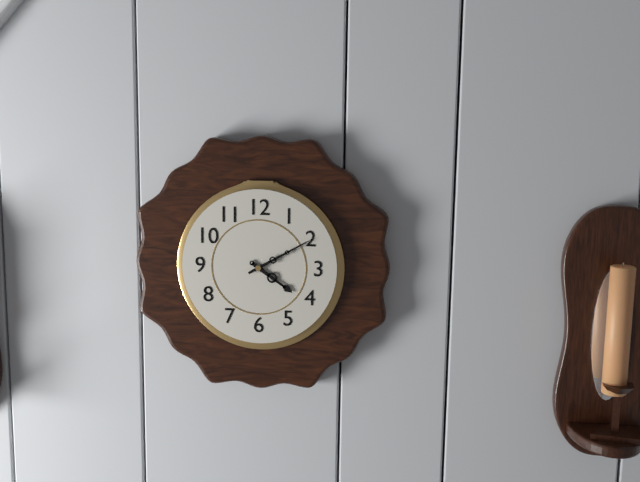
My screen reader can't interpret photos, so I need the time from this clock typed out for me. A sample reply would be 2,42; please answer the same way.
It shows 4,10
